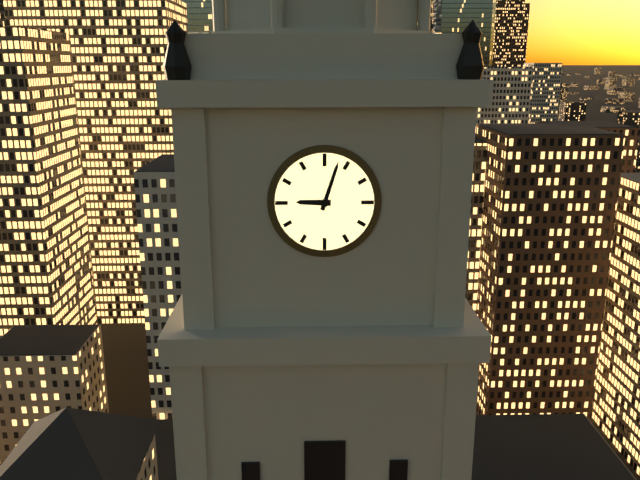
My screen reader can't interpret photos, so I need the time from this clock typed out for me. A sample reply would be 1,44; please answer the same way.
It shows 9,03
